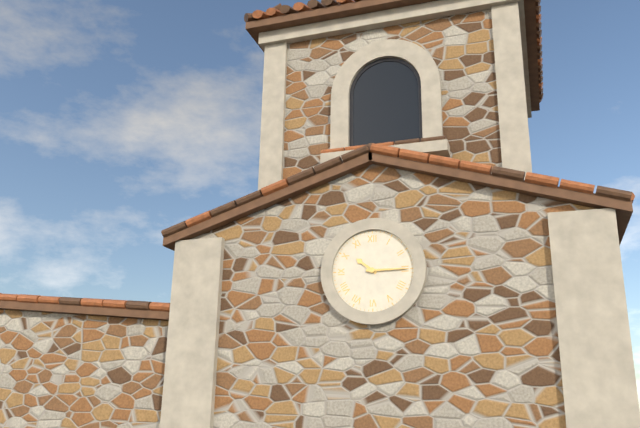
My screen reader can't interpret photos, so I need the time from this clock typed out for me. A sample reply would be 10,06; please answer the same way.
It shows 10,15
